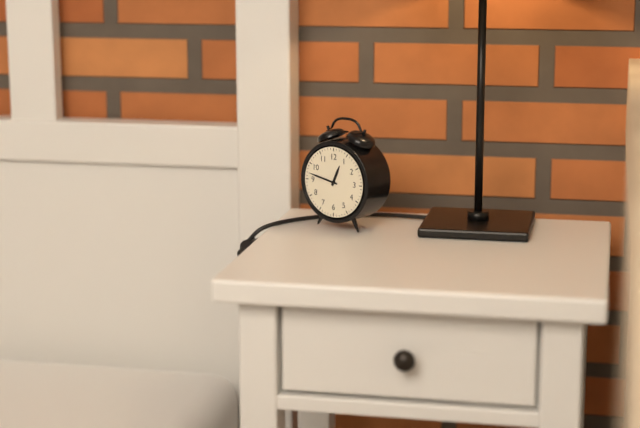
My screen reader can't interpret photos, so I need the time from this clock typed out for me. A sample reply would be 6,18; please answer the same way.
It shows 12,47
